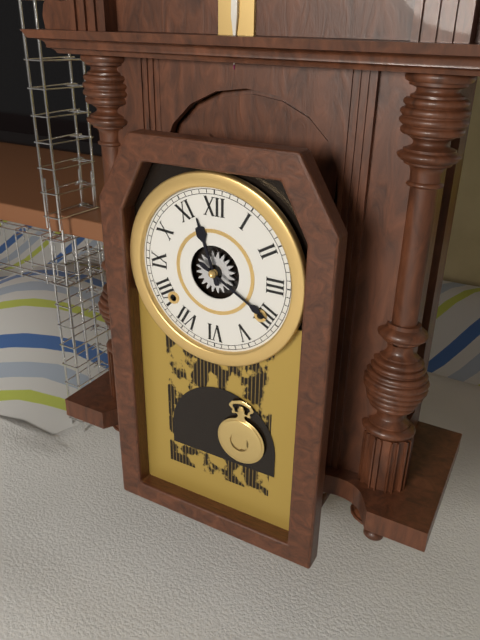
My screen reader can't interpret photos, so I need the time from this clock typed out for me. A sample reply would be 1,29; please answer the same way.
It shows 11,20
